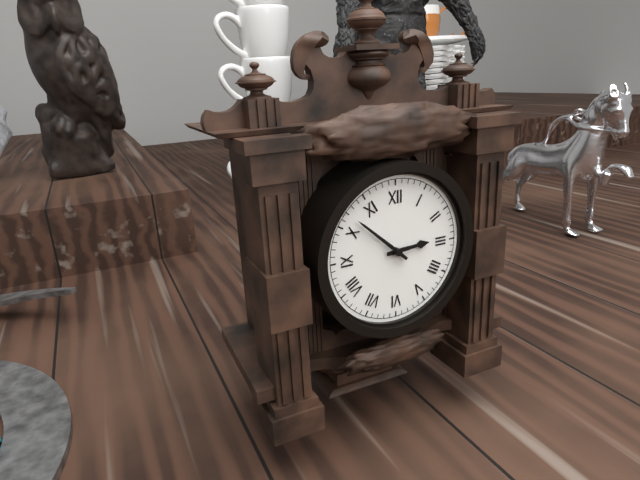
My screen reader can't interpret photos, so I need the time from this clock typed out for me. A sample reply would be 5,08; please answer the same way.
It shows 2,52
